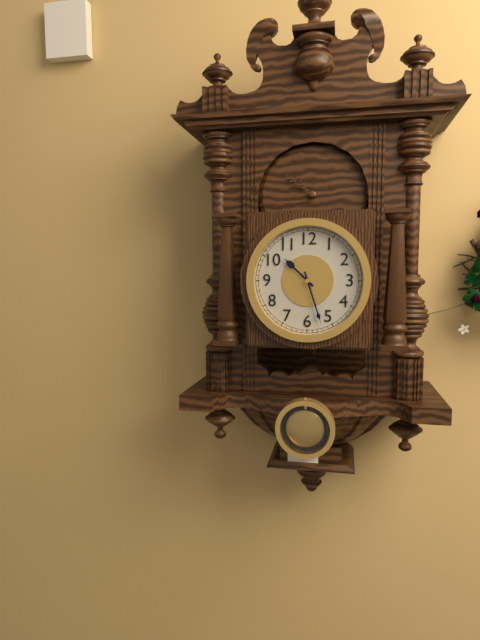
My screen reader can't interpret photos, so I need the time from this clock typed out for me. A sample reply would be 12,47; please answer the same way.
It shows 10,27
